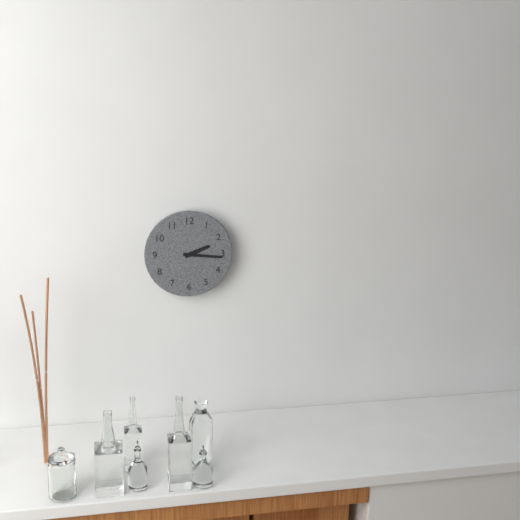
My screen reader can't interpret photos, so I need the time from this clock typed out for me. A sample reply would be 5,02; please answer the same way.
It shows 2,16
